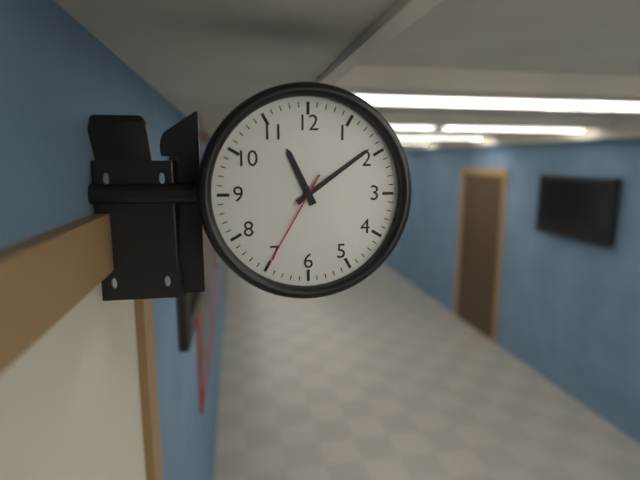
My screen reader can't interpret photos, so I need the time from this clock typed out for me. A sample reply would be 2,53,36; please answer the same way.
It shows 11,09,35
